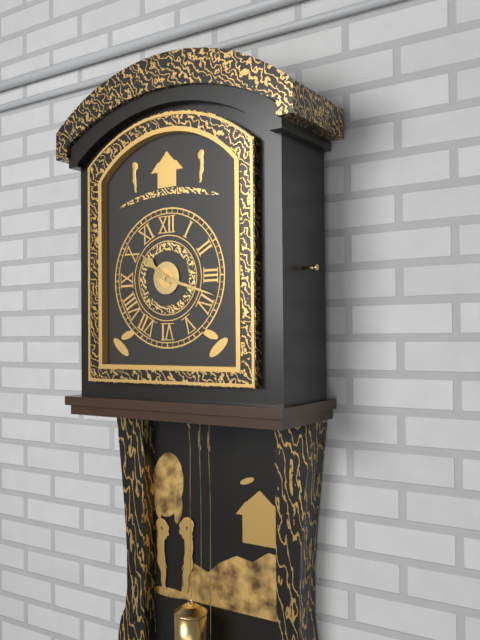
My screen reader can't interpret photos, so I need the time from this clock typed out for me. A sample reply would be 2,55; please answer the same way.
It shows 10,18
